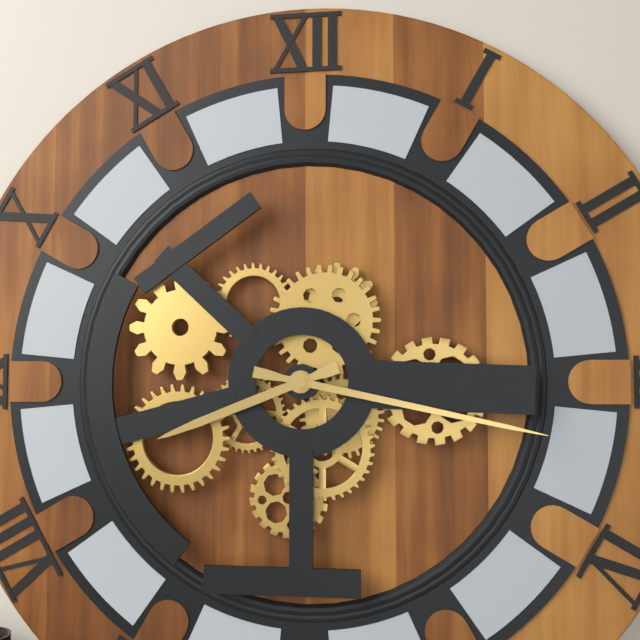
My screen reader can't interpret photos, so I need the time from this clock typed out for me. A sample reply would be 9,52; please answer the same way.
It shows 8,17
